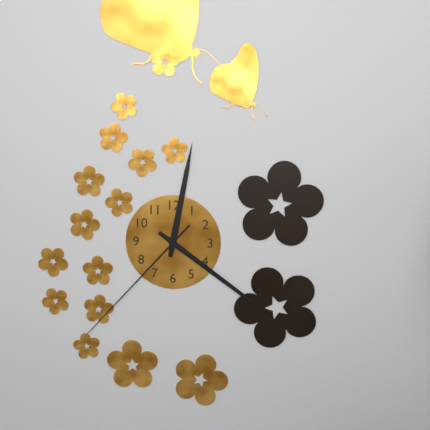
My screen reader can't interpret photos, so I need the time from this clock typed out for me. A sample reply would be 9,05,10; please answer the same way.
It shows 12,21,37
